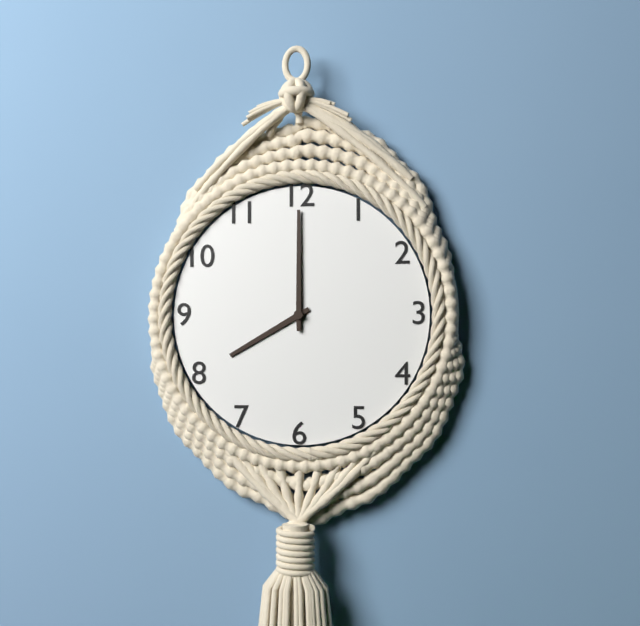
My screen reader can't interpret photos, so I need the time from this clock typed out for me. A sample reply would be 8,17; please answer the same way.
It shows 8,00
